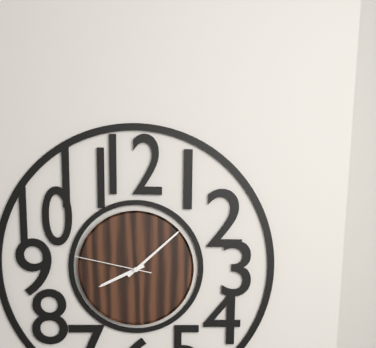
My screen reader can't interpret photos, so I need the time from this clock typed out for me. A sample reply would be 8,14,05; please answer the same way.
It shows 8,08,47
